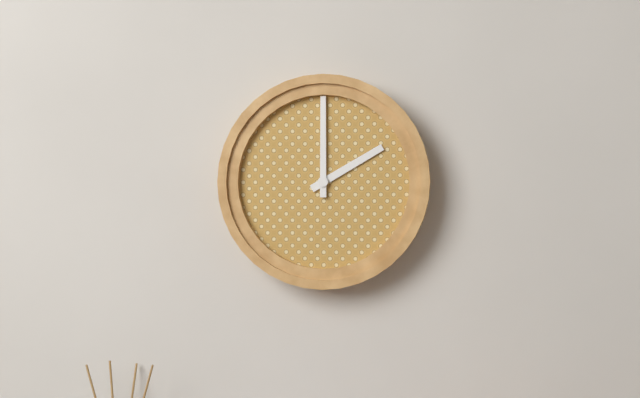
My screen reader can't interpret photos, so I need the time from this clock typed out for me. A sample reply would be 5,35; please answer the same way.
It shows 2,00
